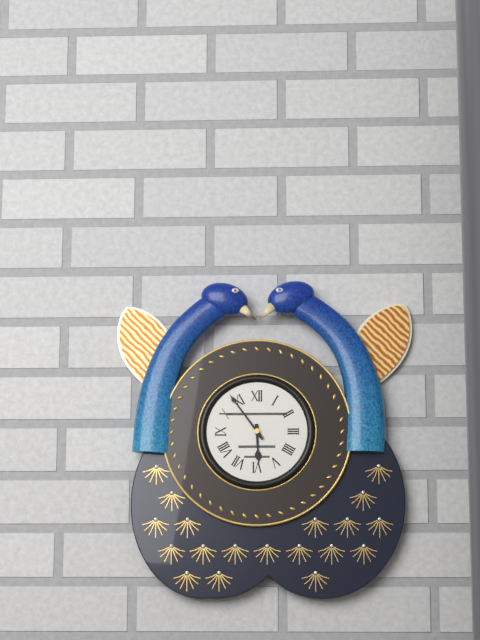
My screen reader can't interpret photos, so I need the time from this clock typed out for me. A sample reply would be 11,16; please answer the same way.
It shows 5,54
